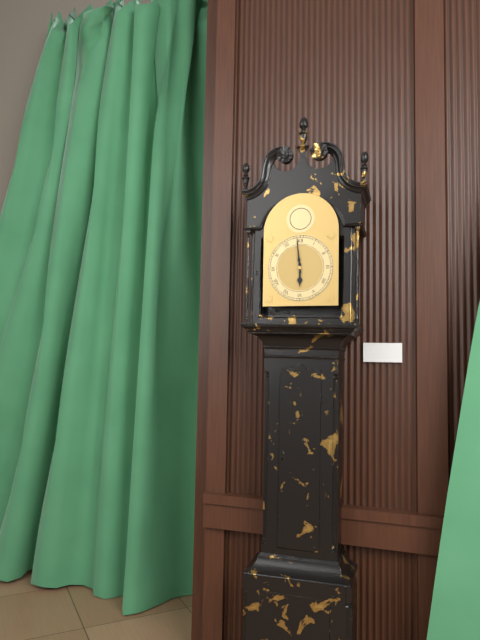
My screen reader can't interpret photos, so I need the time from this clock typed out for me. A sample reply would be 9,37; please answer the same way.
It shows 5,59
